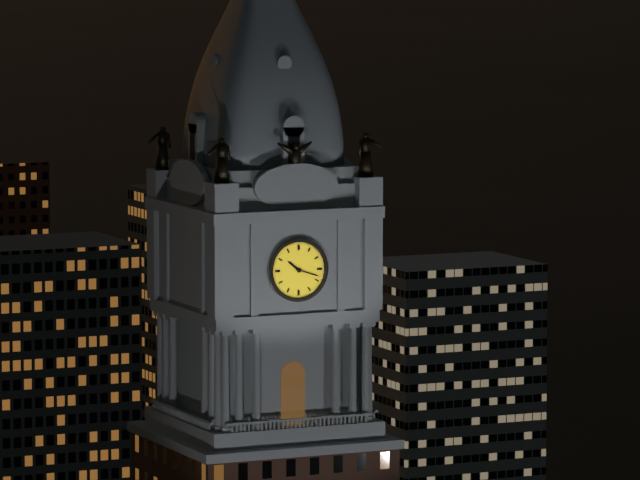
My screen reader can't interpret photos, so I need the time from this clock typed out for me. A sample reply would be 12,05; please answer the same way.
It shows 10,18
